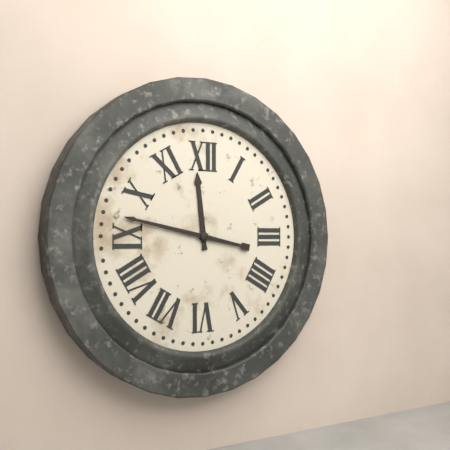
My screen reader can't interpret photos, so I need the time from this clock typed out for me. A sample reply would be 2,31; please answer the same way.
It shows 11,47
